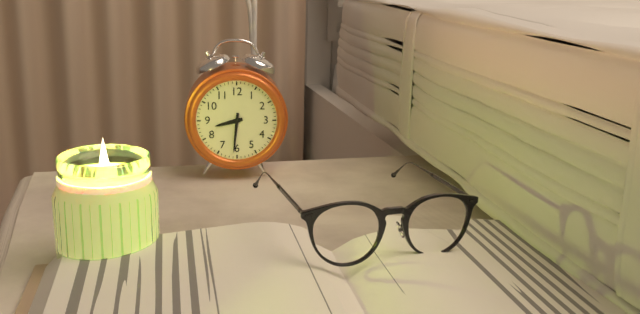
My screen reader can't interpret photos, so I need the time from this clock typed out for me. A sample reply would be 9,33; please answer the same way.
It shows 8,31
